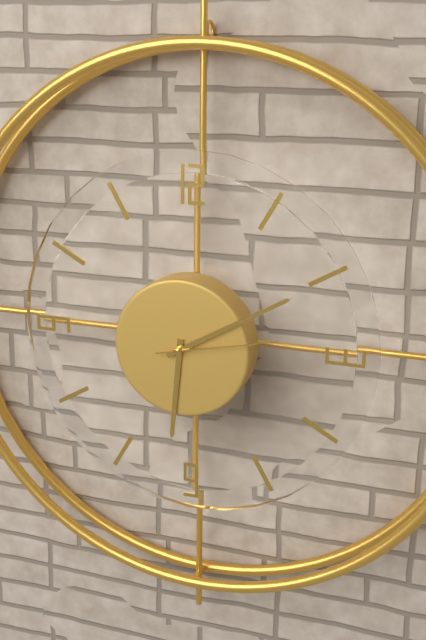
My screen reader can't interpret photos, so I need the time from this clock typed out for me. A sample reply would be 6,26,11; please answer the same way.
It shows 6,10,13
